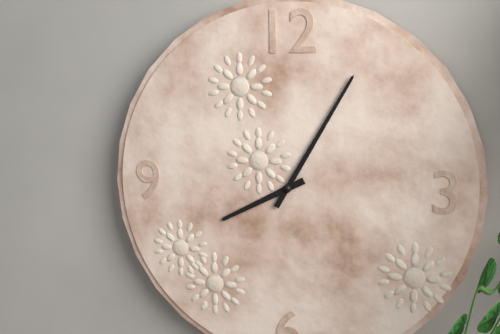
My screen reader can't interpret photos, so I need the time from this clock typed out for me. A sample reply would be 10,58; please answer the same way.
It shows 8,05
